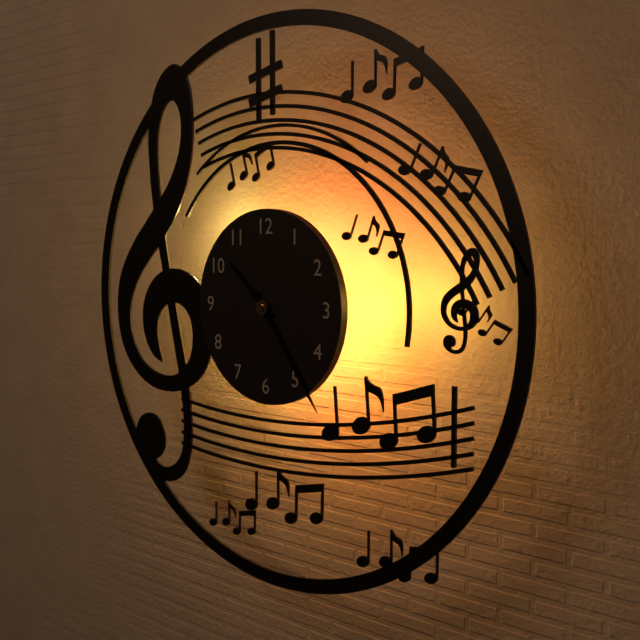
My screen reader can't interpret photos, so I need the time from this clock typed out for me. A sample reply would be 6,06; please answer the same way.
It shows 10,24
